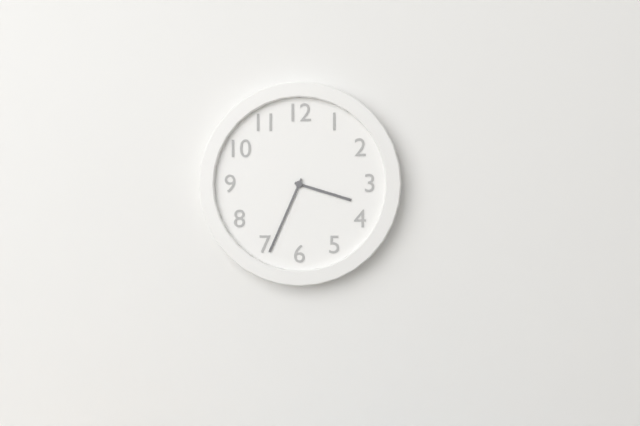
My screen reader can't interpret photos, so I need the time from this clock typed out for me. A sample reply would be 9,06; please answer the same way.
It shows 3,34
